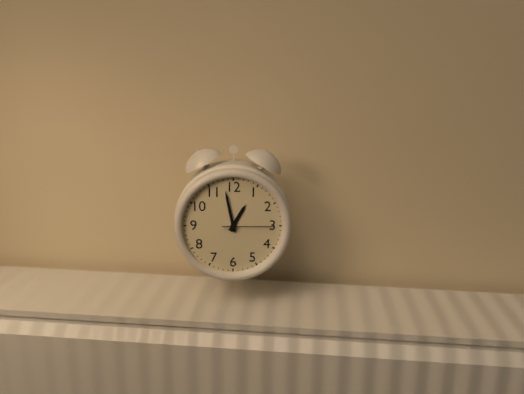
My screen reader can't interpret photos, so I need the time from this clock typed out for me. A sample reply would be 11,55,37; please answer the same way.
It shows 12,58,15
